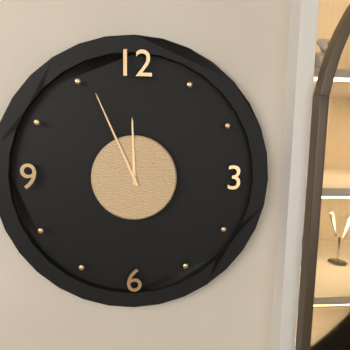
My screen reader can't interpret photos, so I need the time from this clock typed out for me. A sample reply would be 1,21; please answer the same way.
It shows 11,56
